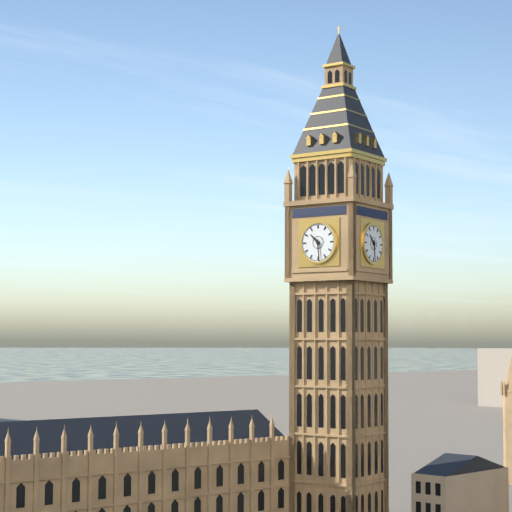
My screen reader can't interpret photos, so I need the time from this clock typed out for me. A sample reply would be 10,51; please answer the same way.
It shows 10,29
